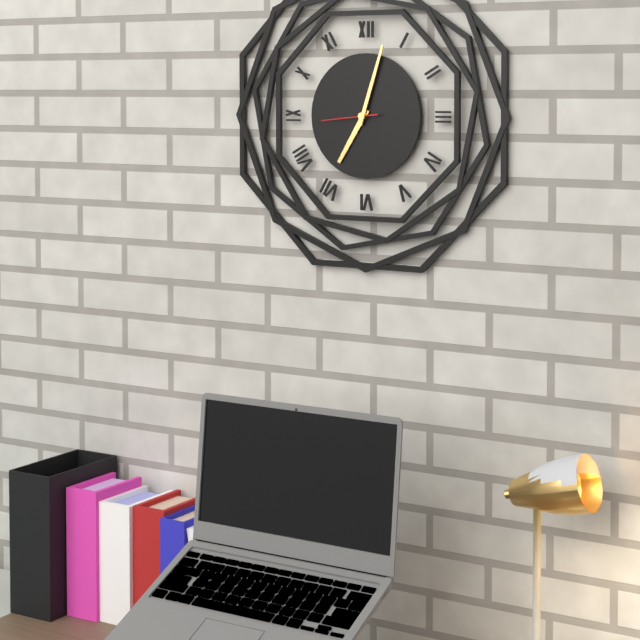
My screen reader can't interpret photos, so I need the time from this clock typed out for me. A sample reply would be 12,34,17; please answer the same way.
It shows 7,03,44
